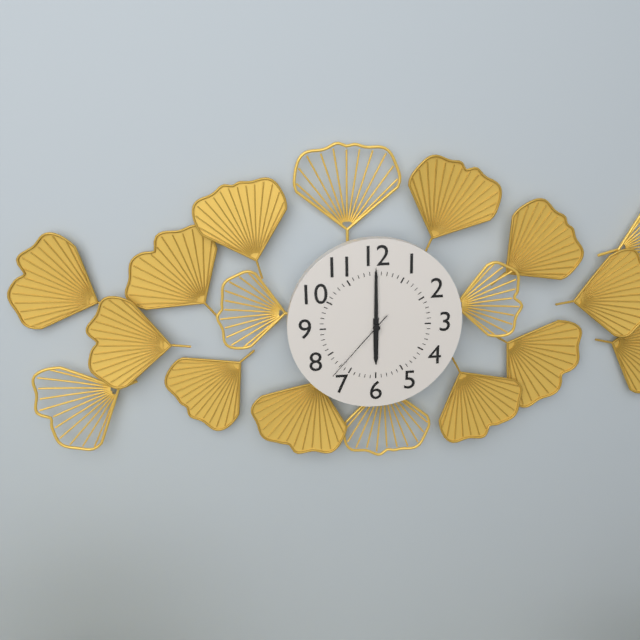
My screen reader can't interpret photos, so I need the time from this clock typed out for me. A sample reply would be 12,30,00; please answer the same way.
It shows 6,00,37
